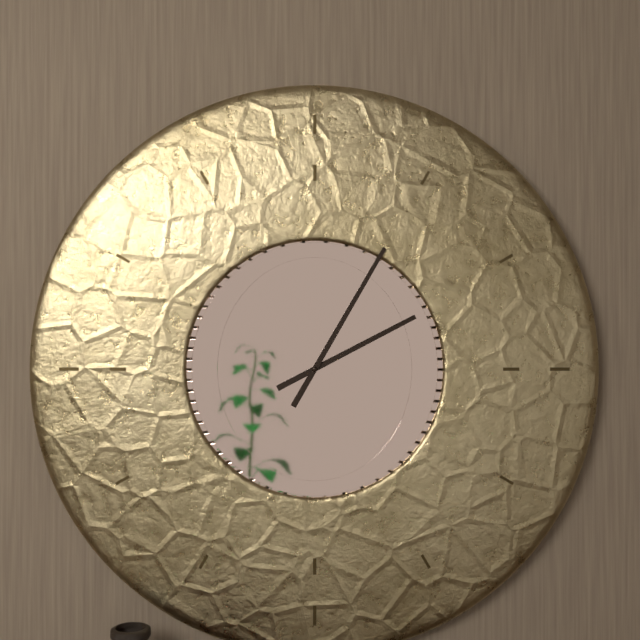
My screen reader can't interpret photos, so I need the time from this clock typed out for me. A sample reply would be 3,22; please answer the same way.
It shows 2,05
